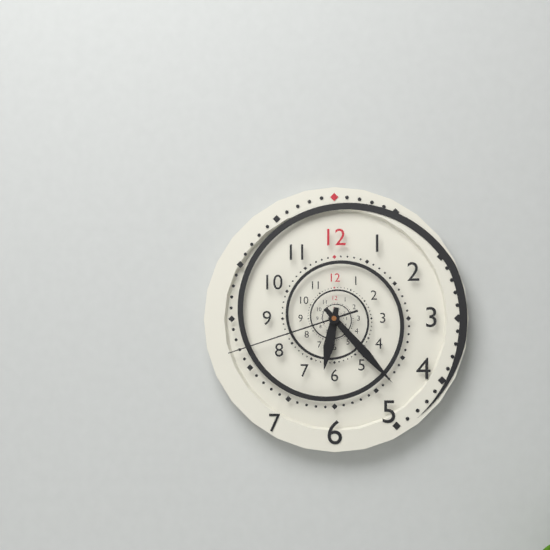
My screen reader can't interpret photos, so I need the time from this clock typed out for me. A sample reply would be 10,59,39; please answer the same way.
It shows 6,23,42
